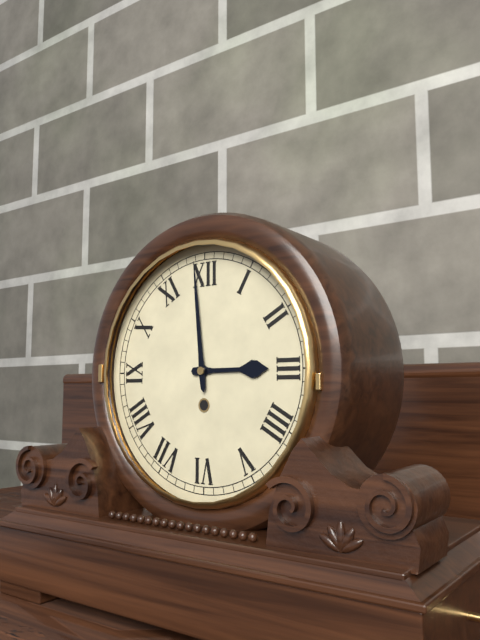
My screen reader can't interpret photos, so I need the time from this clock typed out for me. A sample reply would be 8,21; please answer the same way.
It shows 2,59
